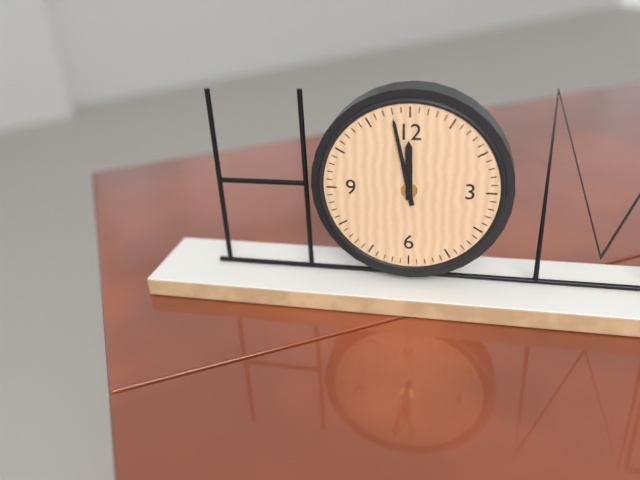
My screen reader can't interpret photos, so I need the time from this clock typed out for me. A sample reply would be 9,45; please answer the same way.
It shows 11,58
